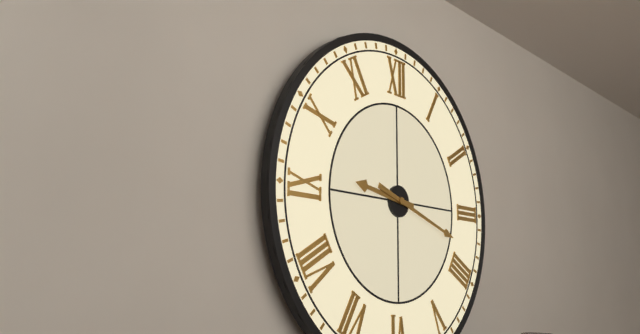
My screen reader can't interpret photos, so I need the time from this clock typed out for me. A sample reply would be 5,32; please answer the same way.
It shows 9,18
